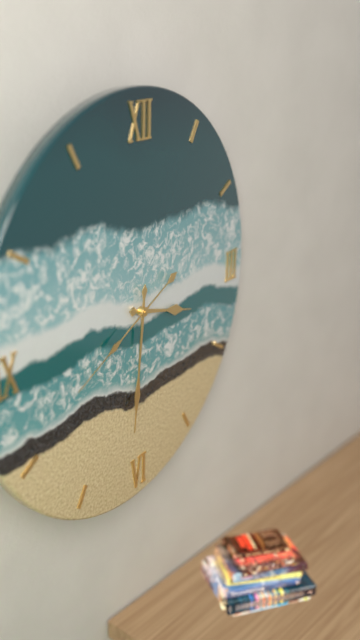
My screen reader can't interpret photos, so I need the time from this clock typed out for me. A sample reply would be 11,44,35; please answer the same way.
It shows 3,31,41
